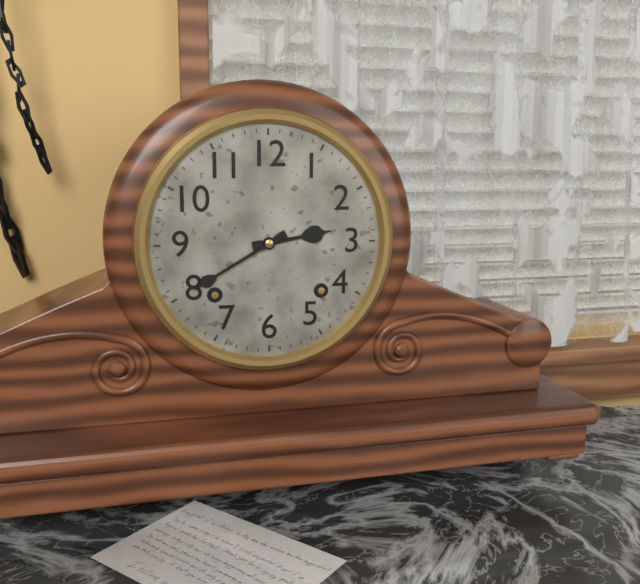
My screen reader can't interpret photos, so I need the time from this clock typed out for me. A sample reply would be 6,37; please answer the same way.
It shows 2,40
